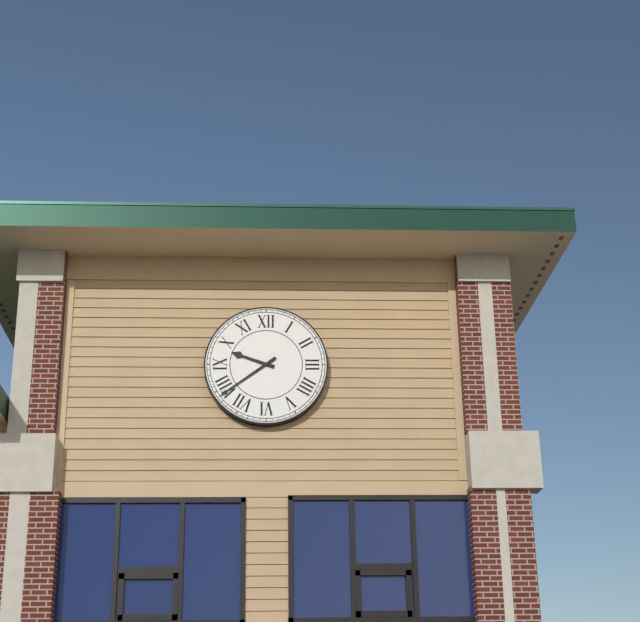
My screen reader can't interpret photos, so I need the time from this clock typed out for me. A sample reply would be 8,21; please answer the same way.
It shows 9,39
